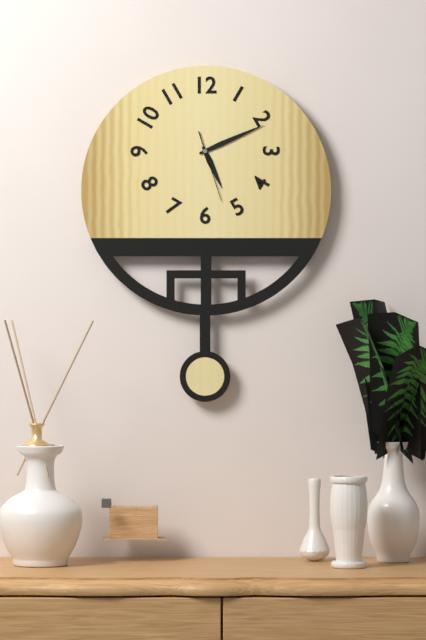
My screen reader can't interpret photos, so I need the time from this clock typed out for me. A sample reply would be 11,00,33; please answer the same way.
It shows 5,11,27
